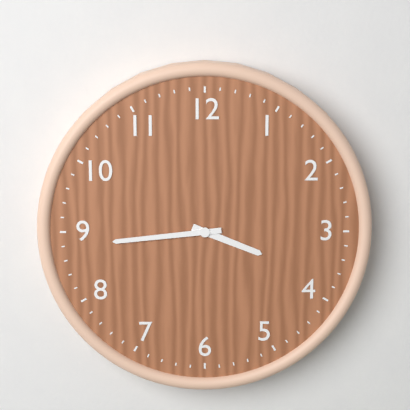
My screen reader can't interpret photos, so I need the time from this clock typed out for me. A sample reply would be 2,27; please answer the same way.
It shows 3,44
